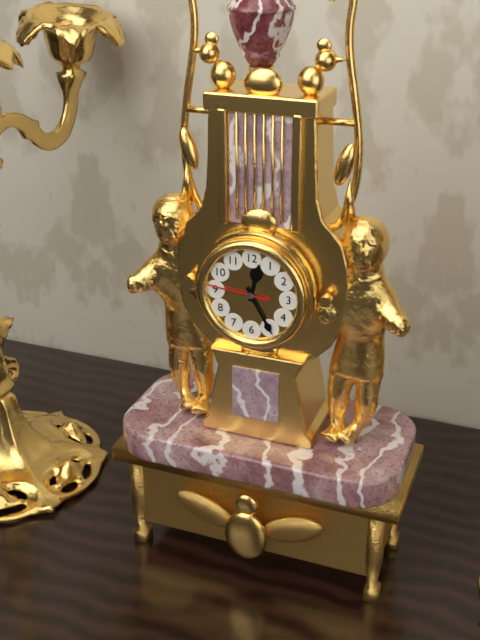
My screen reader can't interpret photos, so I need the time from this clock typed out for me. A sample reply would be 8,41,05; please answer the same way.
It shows 12,25,46
